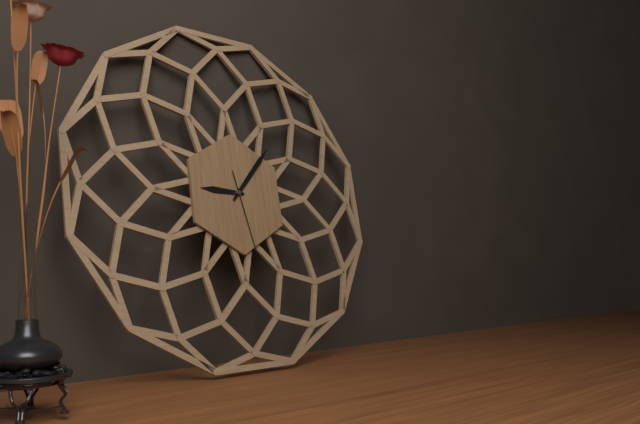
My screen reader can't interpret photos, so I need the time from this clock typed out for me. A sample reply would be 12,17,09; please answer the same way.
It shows 9,07,28
